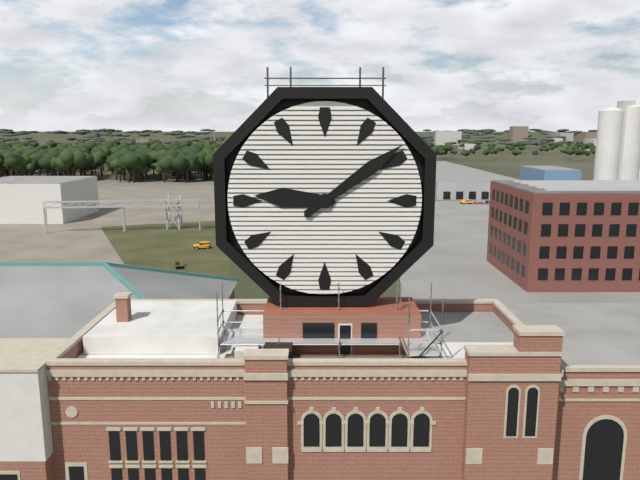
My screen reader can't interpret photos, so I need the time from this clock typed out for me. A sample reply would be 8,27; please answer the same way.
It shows 9,09
